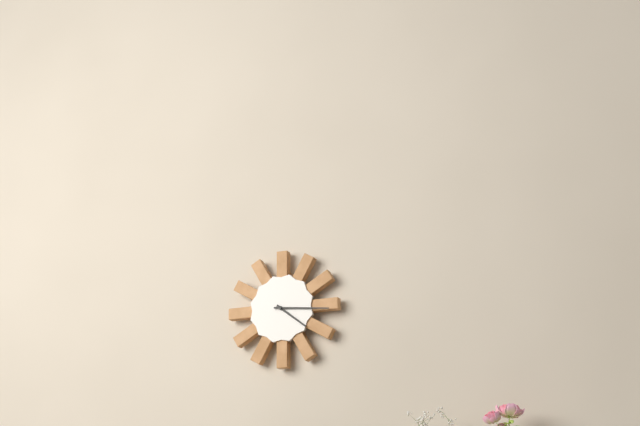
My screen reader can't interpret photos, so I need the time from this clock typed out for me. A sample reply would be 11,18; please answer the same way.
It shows 4,16
